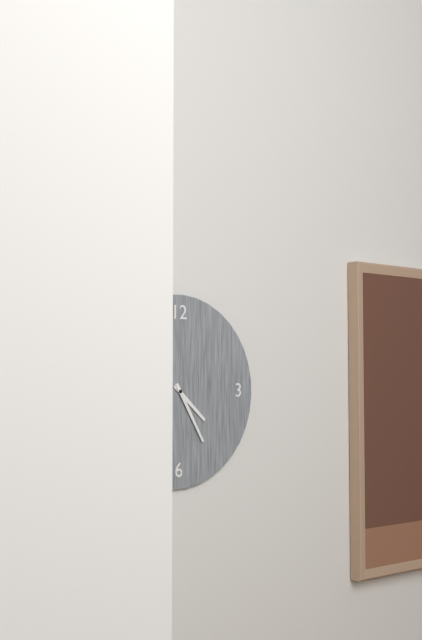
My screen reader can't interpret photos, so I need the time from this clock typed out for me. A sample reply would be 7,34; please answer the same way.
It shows 4,25
